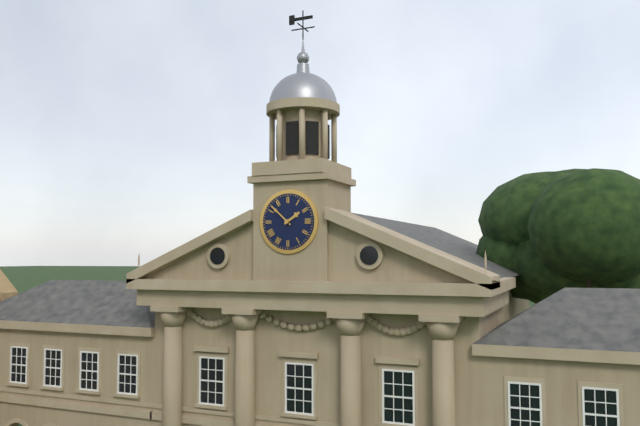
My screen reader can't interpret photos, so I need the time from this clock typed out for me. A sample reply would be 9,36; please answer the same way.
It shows 1,52
